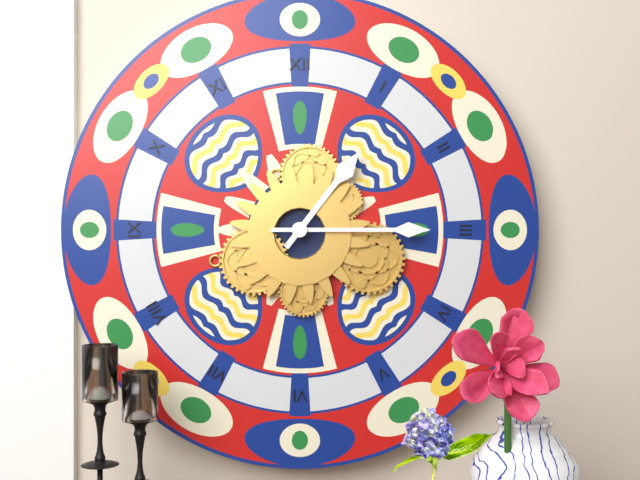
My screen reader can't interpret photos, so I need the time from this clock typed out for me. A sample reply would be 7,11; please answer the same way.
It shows 1,15
